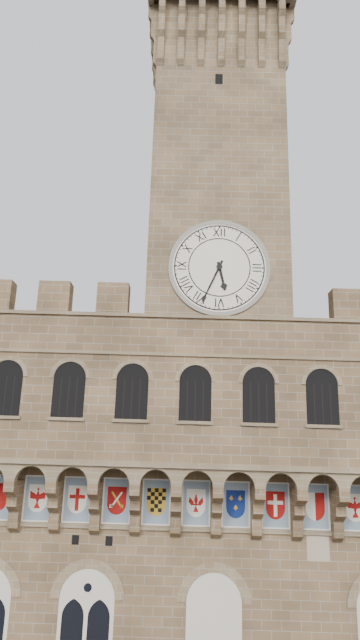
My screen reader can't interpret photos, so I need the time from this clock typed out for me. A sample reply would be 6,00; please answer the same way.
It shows 5,34
